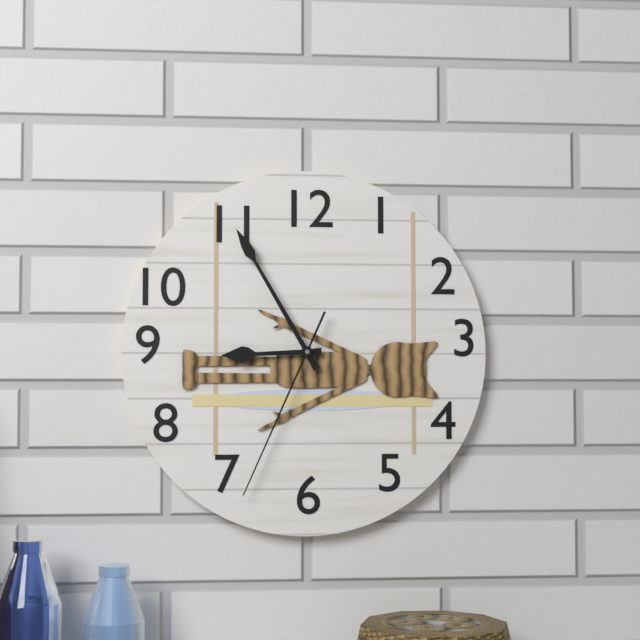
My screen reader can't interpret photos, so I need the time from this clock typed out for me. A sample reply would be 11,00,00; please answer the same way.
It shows 8,55,34
